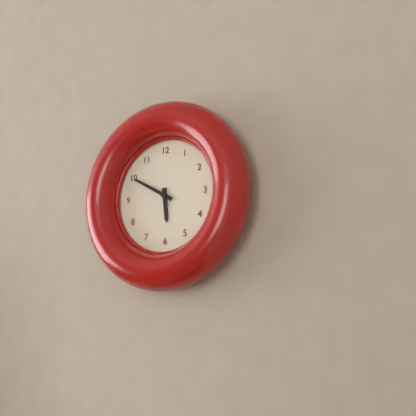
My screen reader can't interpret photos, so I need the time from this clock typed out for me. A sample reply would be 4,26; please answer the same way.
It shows 5,50
